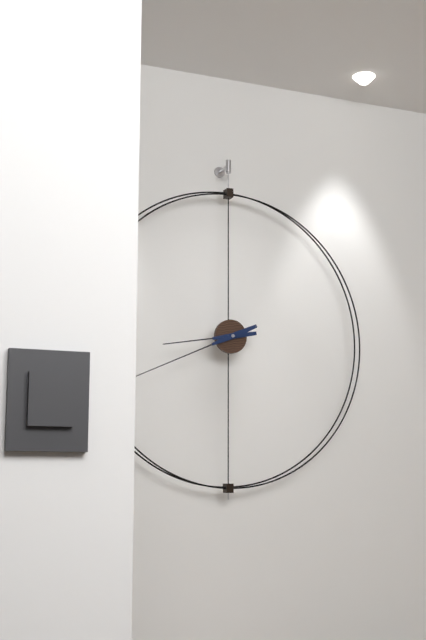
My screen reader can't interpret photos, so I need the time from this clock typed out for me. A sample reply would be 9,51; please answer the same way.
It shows 8,41
